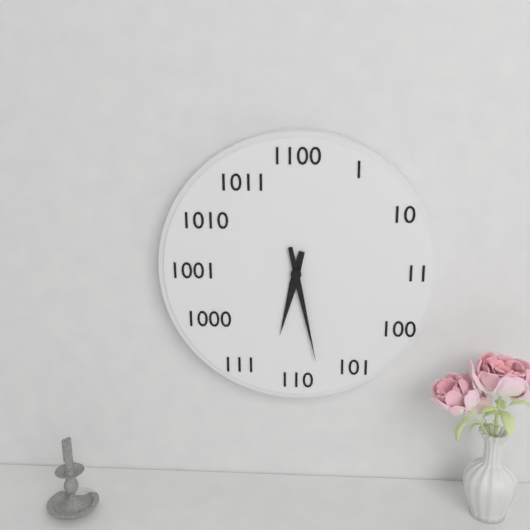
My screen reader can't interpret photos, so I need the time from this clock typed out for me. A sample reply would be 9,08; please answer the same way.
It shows 6,28
